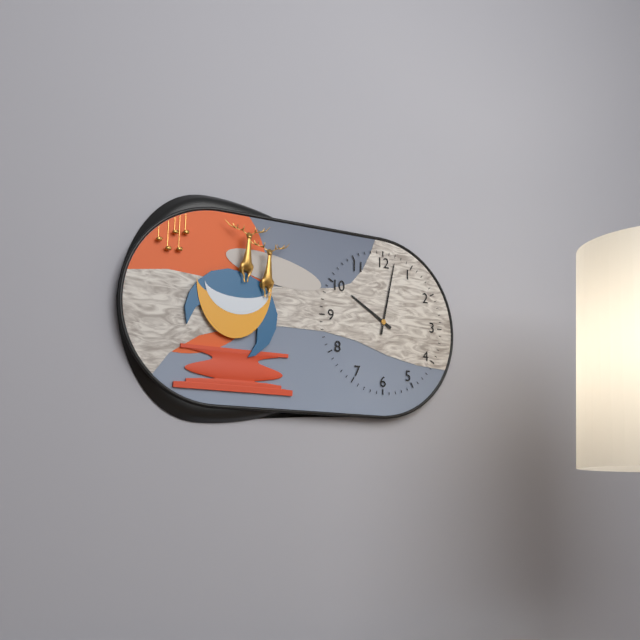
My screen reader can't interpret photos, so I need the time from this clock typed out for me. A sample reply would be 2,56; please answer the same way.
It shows 10,02
